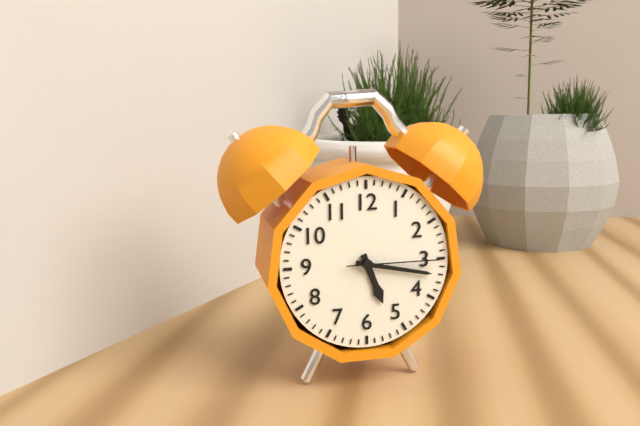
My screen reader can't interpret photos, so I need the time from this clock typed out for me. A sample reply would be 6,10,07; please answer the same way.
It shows 5,17,15
